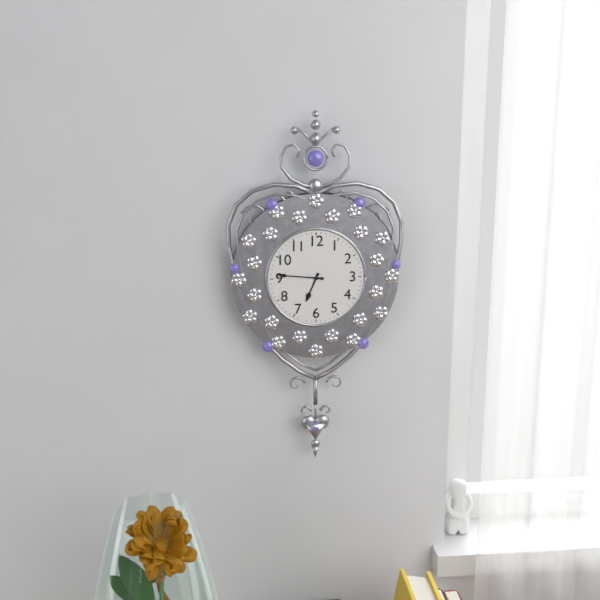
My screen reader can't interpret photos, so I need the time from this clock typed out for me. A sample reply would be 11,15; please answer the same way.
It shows 6,46
